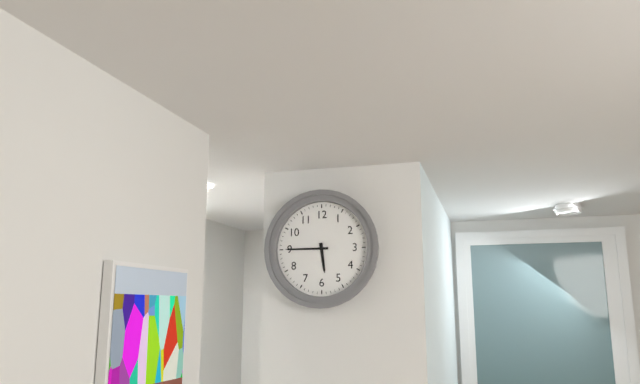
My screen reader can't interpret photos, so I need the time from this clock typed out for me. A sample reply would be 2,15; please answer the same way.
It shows 5,45
